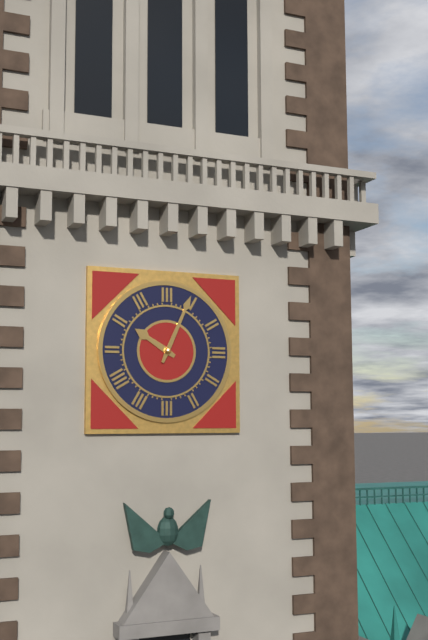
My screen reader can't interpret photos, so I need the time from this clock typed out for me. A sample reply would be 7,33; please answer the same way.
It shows 10,04
